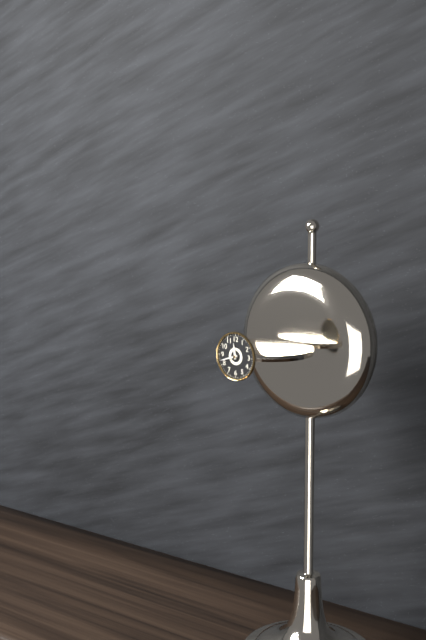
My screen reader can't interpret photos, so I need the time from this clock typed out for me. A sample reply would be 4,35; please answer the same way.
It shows 11,42
